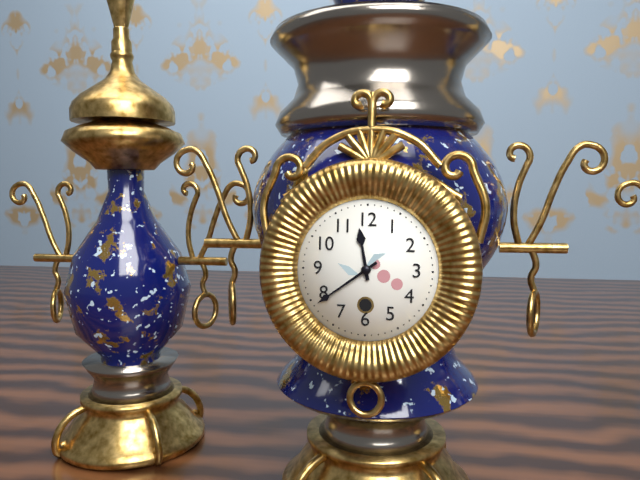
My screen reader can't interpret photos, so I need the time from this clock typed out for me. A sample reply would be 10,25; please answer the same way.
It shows 11,39
